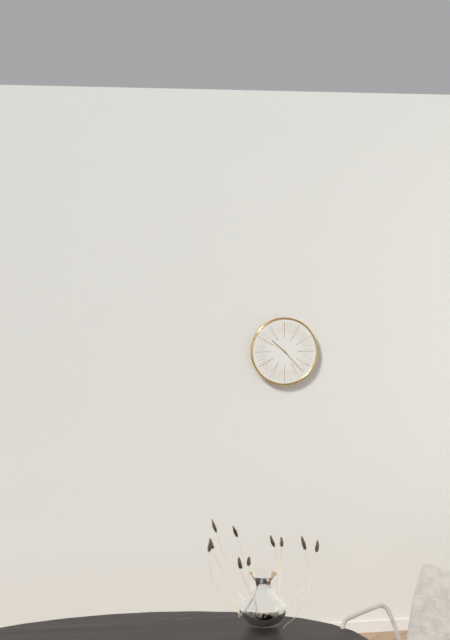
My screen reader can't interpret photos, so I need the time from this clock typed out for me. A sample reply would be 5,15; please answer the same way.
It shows 10,23
